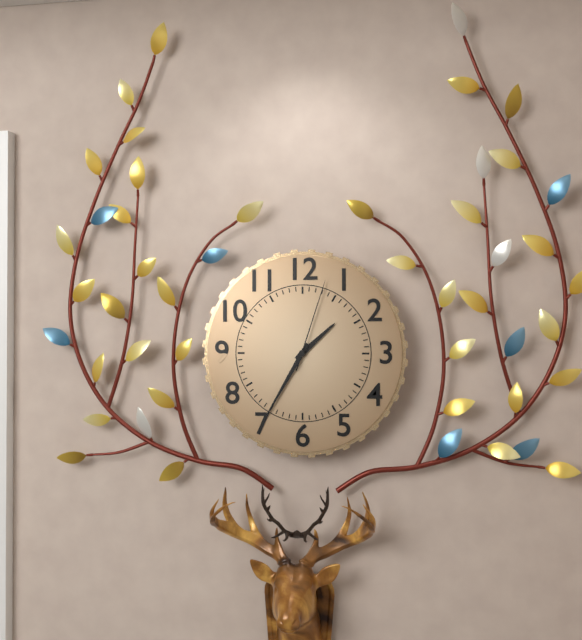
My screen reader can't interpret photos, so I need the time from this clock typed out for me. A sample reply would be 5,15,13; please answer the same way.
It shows 1,35,03
